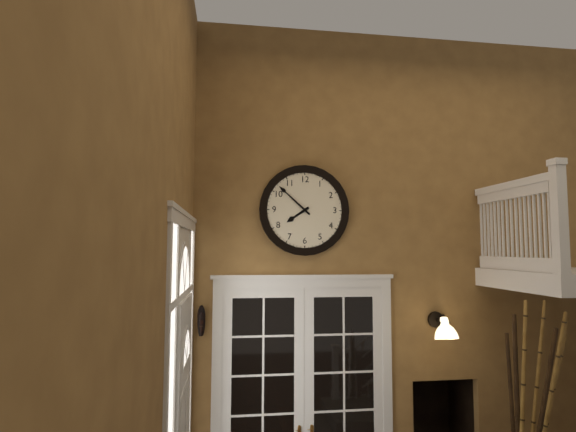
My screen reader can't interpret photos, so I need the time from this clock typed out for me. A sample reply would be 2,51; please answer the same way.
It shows 7,52
